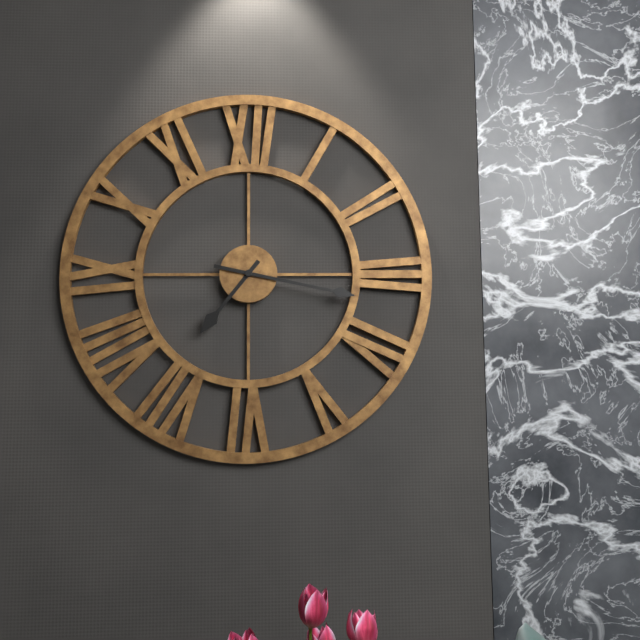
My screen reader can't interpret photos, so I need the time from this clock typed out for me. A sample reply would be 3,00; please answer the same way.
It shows 7,17
